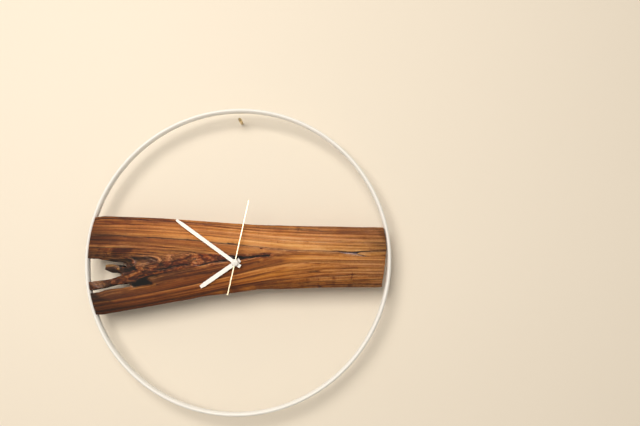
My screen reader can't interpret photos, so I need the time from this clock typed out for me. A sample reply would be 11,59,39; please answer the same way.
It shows 7,51,02
